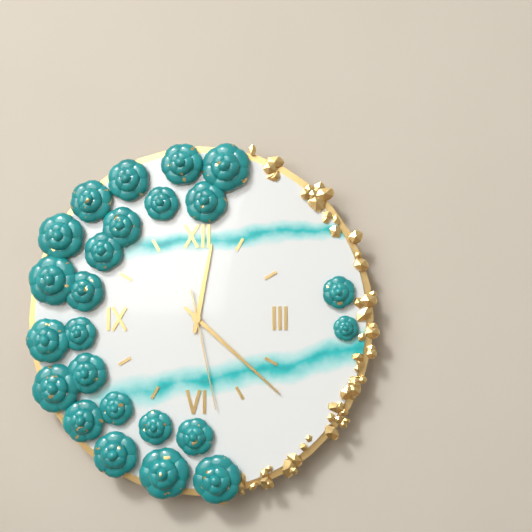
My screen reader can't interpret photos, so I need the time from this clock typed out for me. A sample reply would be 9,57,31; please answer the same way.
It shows 12,22,28
